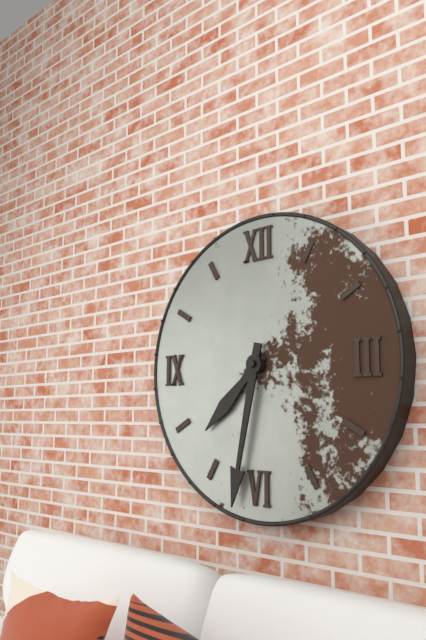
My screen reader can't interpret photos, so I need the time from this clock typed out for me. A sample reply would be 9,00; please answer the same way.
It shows 7,32
